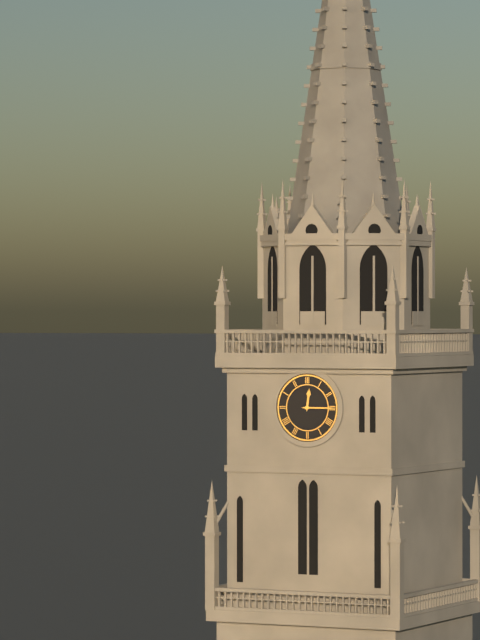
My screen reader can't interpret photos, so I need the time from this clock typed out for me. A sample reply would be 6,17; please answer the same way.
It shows 12,15
